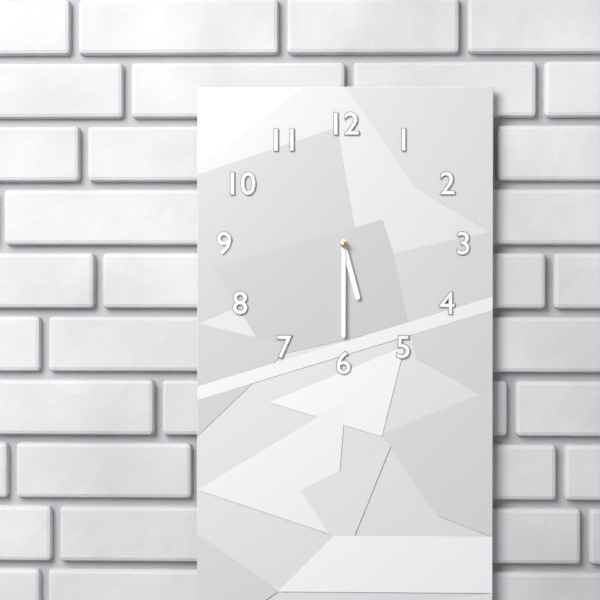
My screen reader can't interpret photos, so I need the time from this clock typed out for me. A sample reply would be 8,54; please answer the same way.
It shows 5,30
